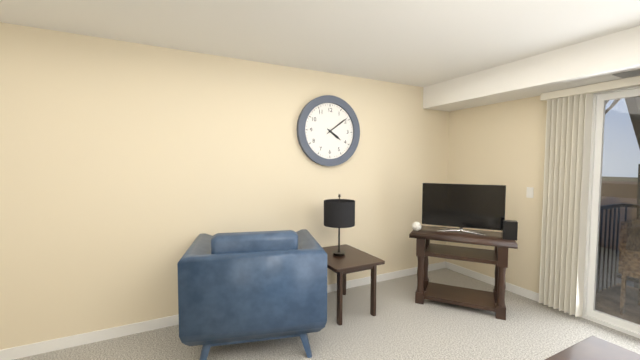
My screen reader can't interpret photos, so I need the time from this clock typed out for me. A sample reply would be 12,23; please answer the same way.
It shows 4,09
